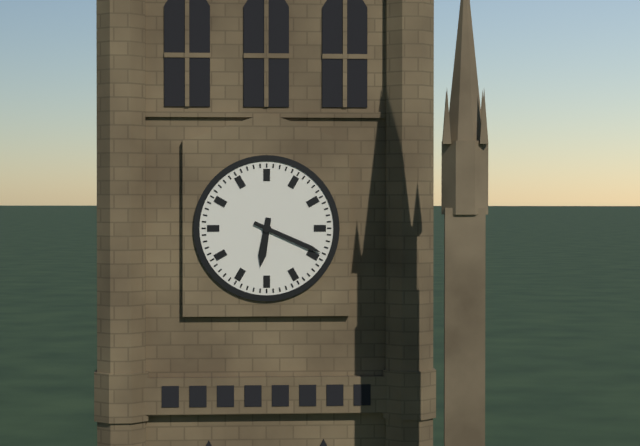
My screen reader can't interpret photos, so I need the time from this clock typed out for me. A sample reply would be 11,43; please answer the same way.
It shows 6,19
